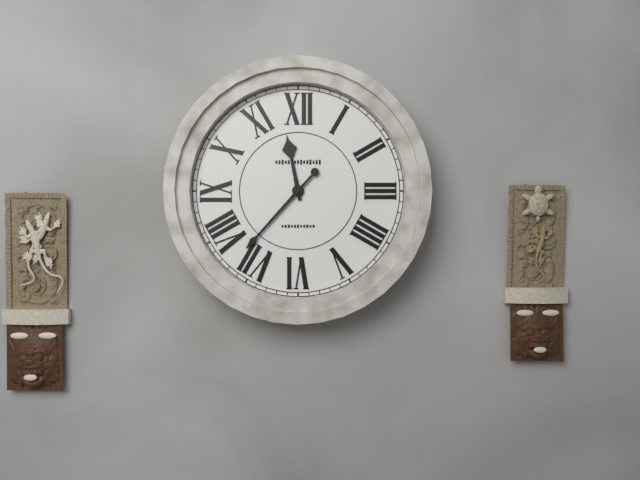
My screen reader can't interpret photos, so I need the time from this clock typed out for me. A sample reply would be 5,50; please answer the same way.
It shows 11,37
